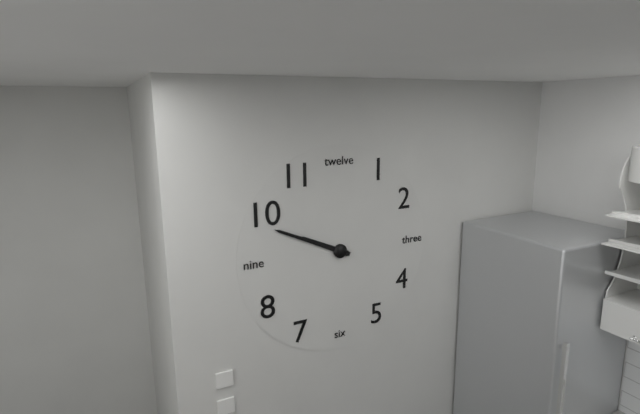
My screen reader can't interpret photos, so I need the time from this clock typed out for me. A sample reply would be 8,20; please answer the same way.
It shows 9,49
